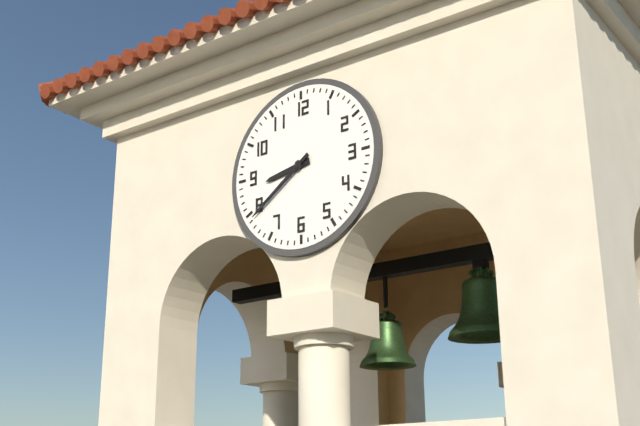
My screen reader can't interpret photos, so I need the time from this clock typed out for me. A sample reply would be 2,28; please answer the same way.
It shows 8,39
